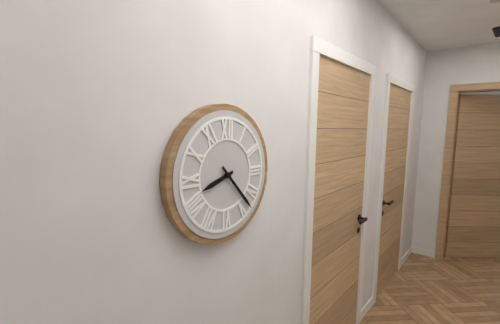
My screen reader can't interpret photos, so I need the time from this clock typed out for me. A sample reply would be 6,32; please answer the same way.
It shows 8,23
